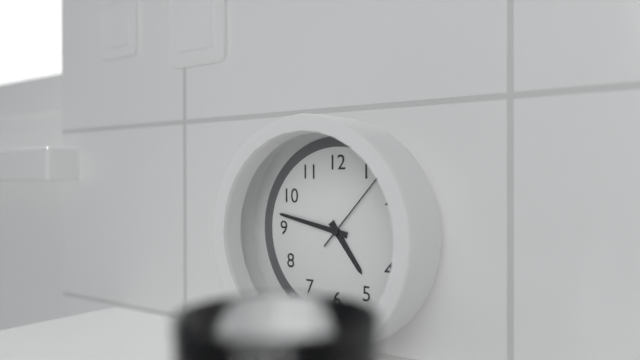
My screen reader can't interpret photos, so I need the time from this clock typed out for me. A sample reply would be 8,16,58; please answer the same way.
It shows 4,47,07
